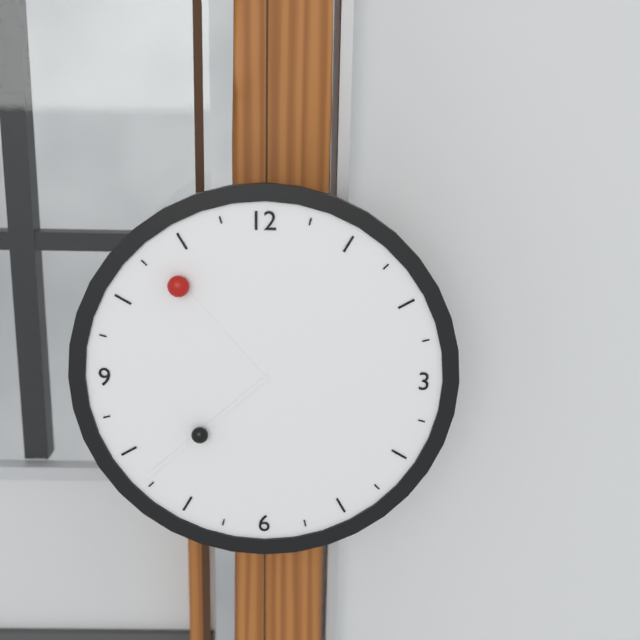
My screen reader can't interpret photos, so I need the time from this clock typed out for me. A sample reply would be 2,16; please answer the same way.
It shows 10,38
